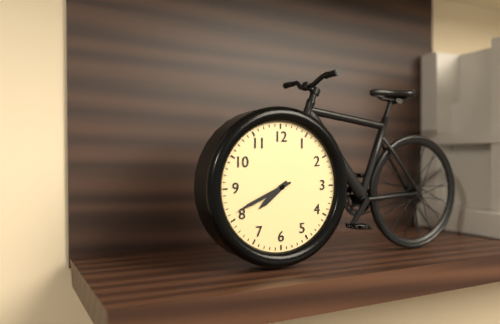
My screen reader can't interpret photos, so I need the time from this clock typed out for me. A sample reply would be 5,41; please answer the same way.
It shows 7,41
